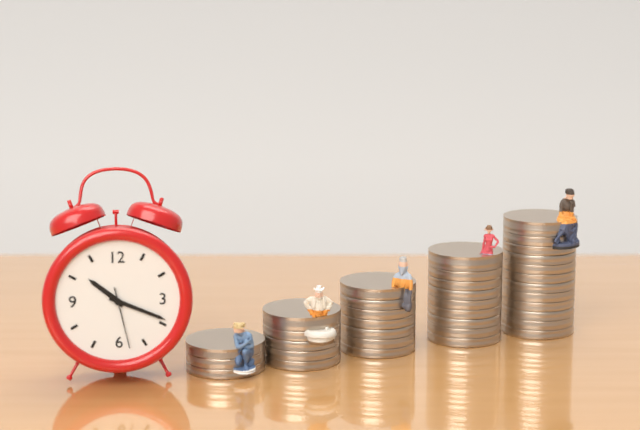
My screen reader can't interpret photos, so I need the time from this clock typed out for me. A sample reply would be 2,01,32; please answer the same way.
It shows 10,19,28
